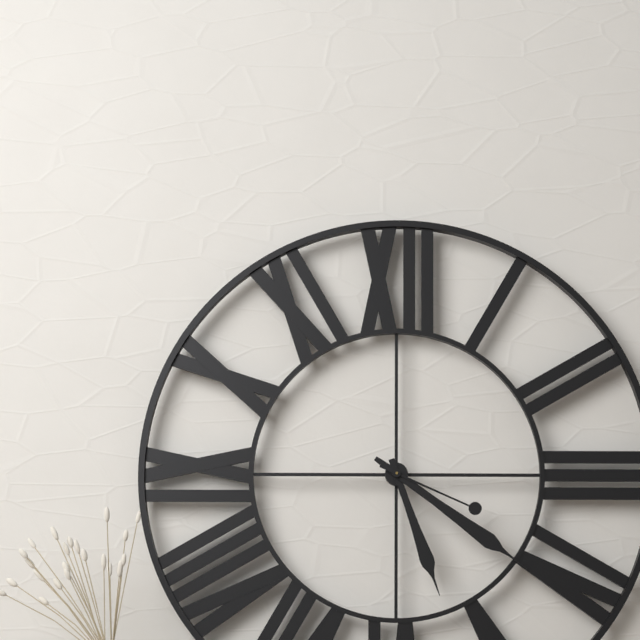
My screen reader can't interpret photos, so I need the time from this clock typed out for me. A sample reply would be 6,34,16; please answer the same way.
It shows 5,21,19
